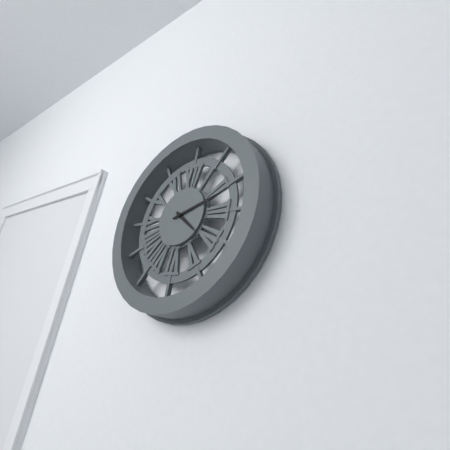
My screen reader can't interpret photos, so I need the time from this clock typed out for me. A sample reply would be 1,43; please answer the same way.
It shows 4,12
